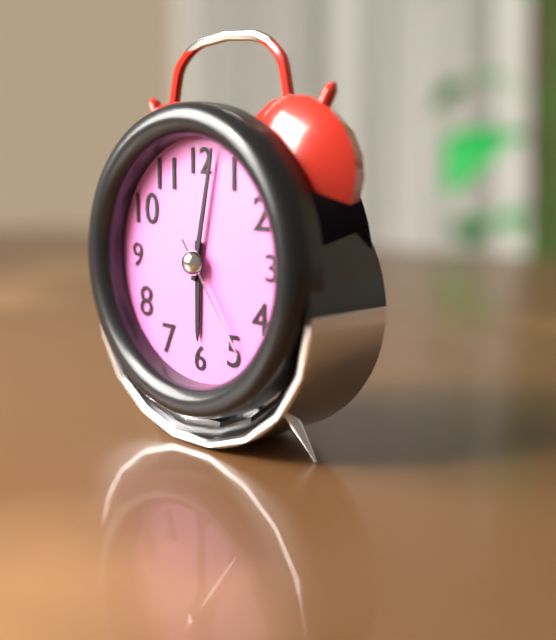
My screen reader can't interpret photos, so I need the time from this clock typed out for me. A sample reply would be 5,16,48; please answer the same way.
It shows 6,02,24
